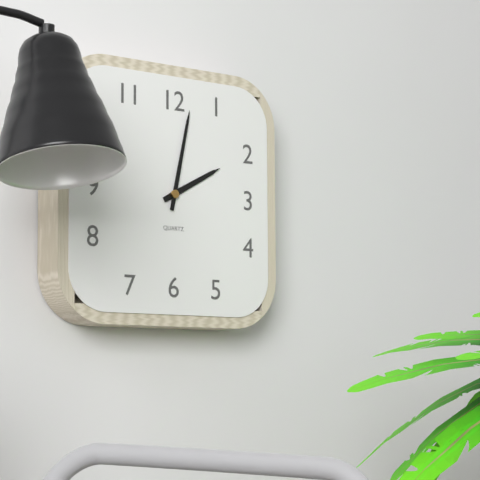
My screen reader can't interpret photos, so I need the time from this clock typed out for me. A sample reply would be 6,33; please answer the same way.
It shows 2,02
